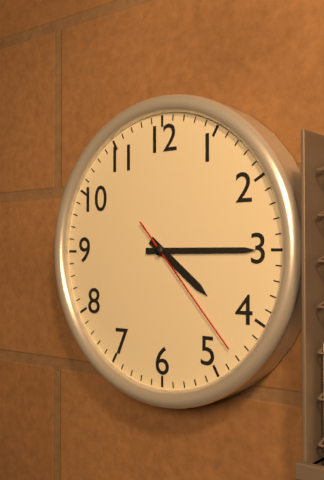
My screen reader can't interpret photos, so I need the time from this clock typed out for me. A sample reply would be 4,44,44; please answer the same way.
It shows 4,15,23
